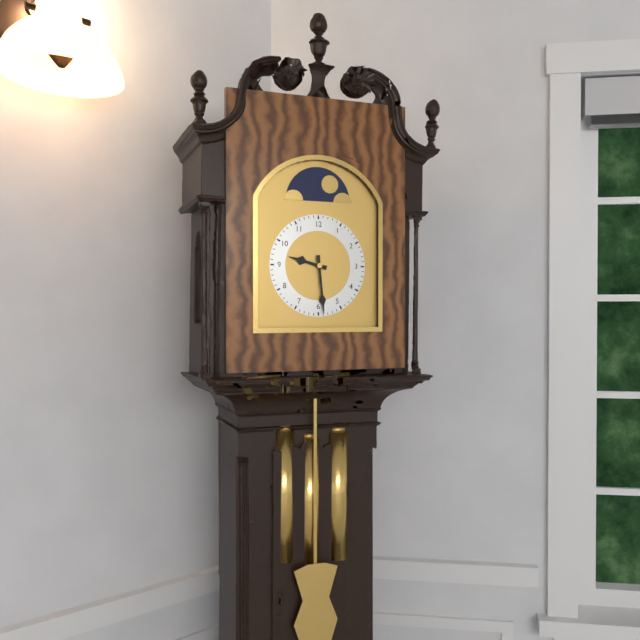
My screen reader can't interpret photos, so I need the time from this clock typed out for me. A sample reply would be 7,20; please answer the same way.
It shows 9,29
